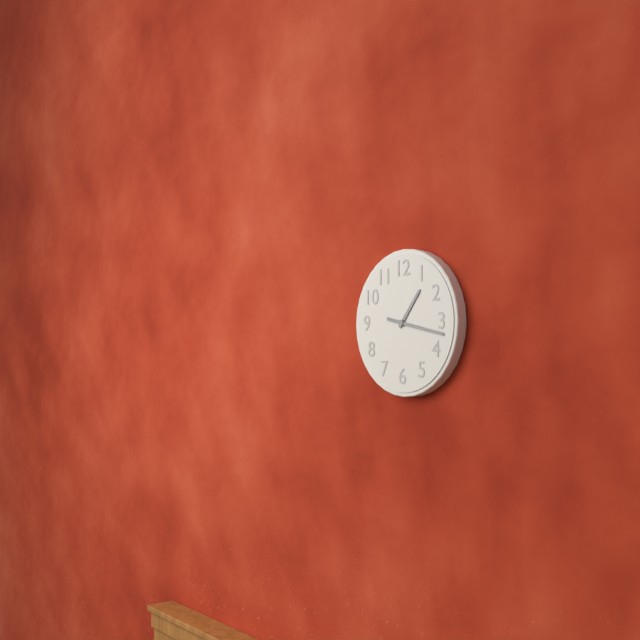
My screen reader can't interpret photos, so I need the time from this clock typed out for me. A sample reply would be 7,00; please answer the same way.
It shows 1,17
